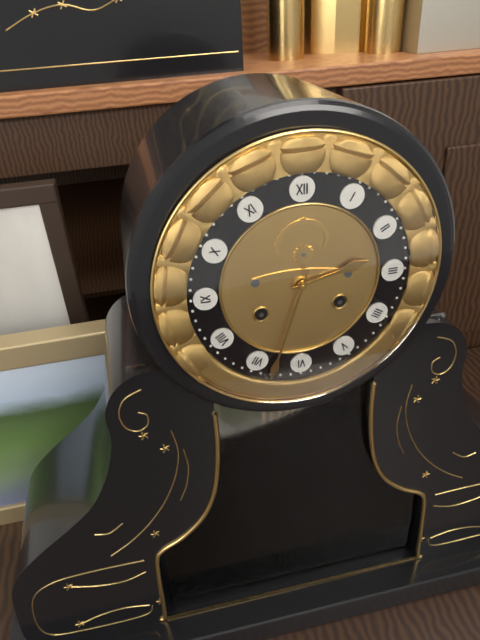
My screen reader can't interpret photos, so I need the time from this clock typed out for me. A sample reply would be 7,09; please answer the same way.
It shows 2,33
